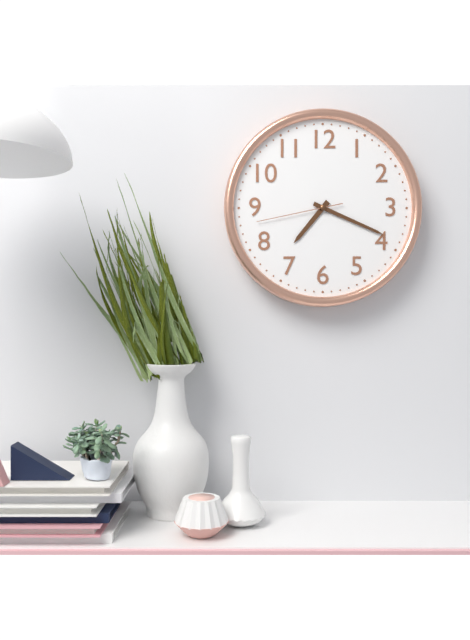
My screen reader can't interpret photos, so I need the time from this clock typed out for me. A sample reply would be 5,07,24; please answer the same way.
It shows 7,19,43
